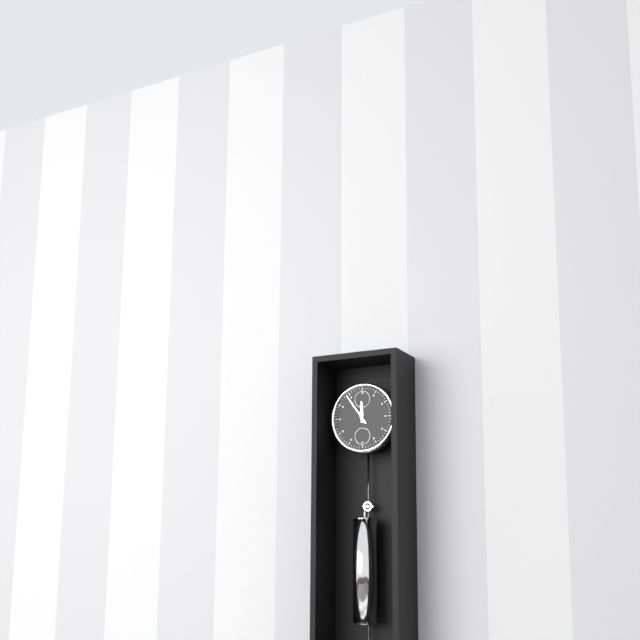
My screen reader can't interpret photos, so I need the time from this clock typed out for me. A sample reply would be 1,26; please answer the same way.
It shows 11,54
